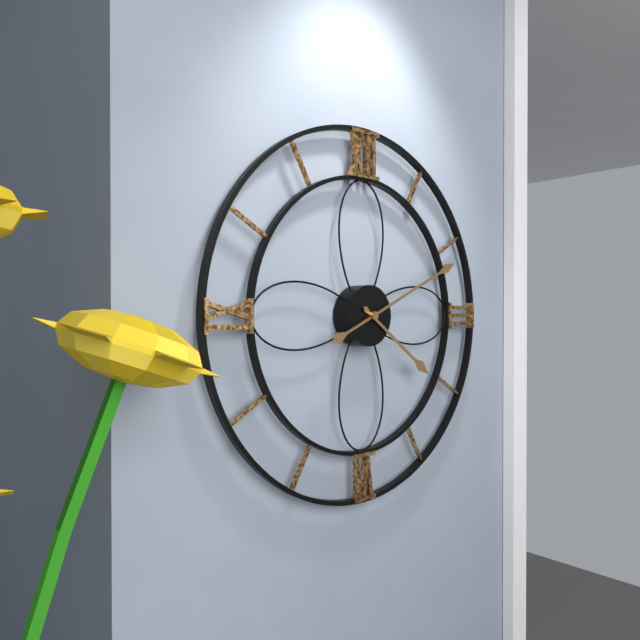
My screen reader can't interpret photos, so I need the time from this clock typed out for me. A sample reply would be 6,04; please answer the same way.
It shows 4,11
